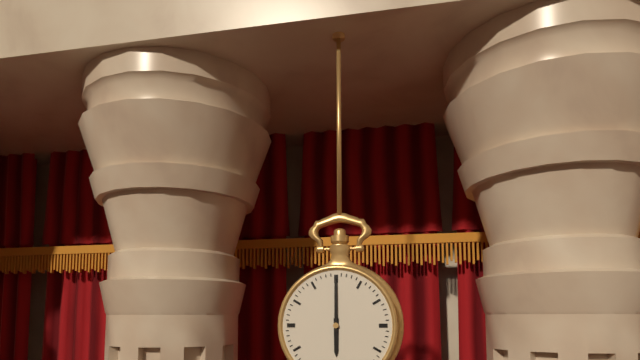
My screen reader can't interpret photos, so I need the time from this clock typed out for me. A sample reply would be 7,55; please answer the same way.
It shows 6,00
